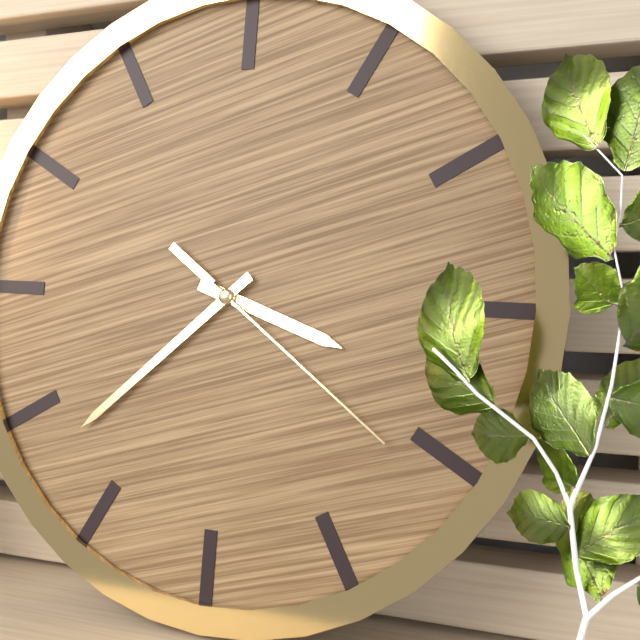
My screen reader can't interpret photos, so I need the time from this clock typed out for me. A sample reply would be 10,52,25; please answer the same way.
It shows 3,38,21
